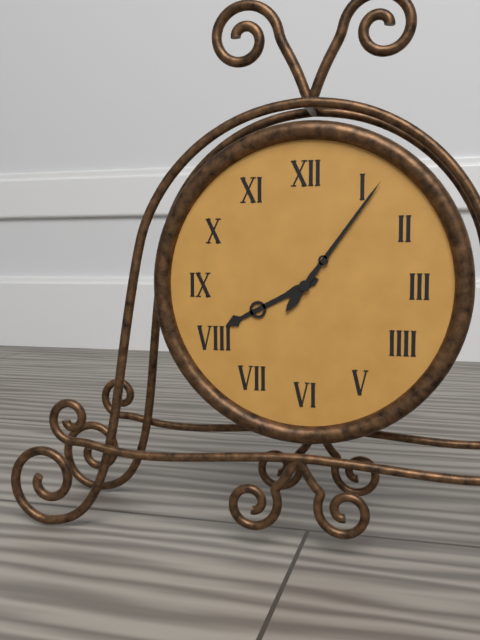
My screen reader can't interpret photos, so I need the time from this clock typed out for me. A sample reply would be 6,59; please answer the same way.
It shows 8,06
